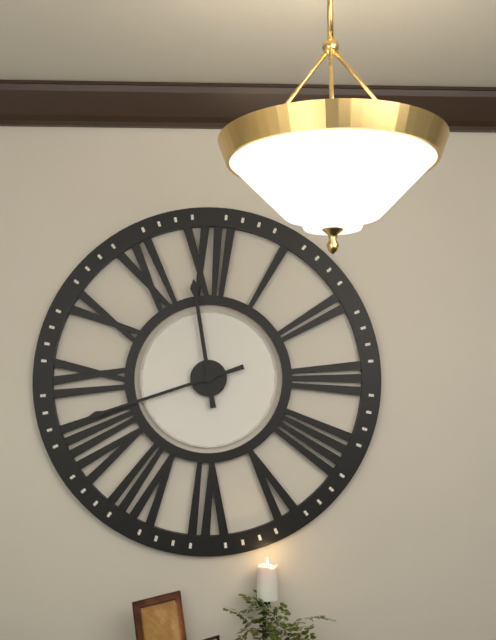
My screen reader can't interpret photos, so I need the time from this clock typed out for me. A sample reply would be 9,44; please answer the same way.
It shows 11,42
